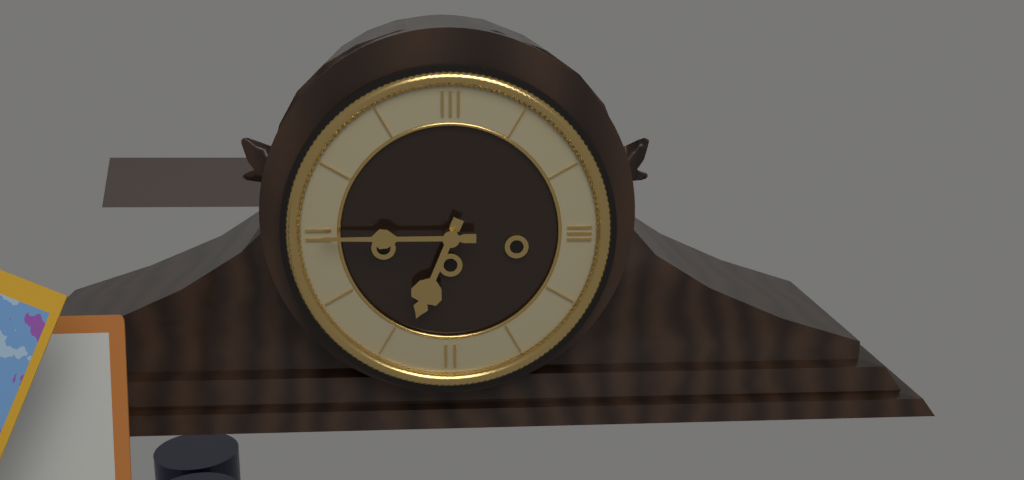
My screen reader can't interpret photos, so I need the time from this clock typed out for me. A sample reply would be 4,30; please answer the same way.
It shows 6,45
